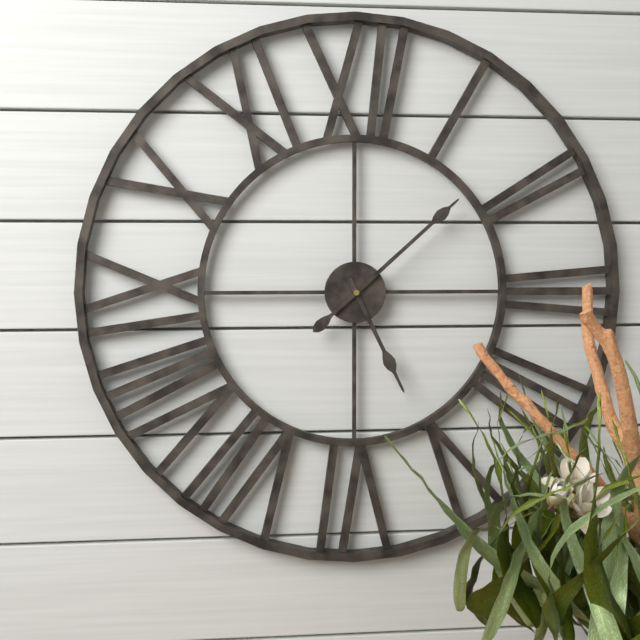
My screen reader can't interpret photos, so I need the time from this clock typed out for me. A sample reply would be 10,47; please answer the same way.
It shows 5,08
